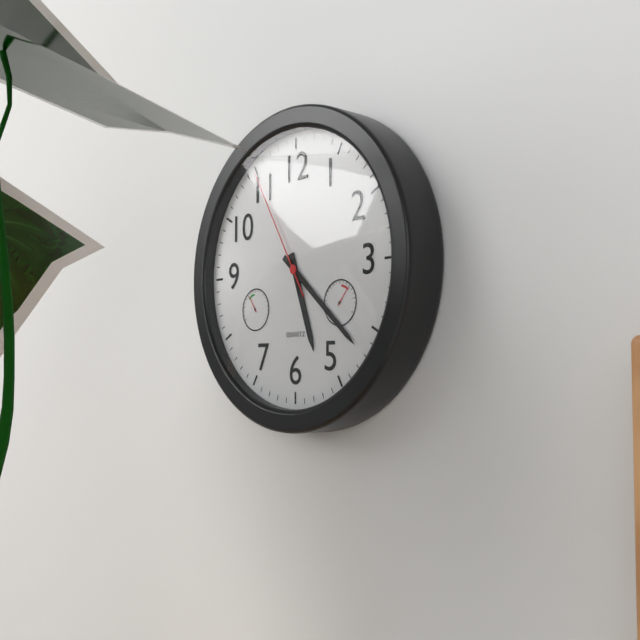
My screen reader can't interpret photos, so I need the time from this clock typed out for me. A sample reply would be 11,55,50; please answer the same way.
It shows 5,22,55
